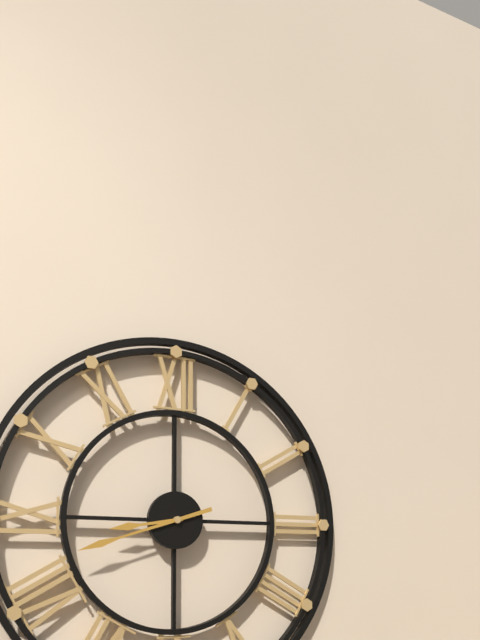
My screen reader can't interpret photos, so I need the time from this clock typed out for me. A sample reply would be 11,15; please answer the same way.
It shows 8,42
